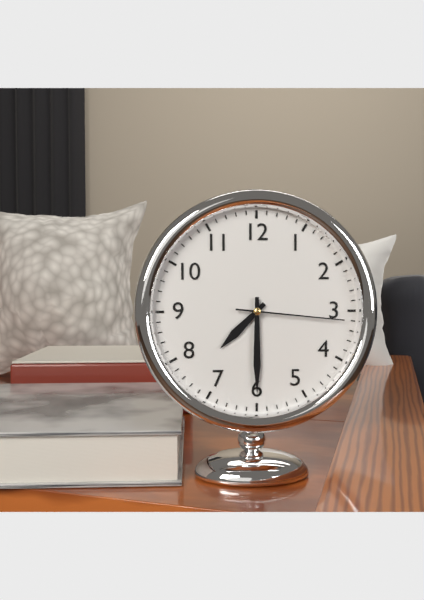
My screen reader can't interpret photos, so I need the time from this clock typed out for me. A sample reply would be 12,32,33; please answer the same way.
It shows 7,30,16
